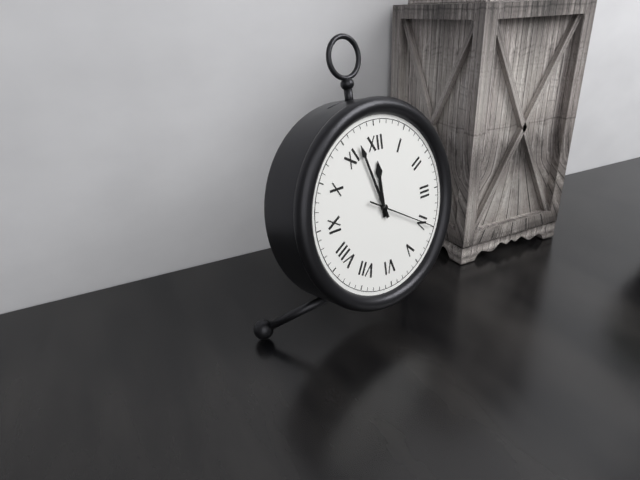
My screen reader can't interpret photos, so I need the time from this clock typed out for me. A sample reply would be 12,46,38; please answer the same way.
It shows 11,57,20
